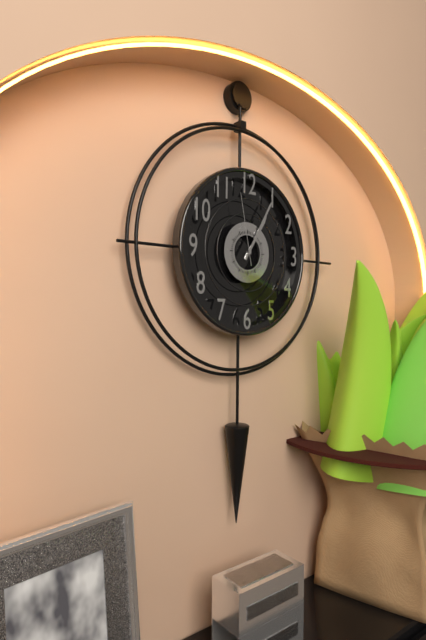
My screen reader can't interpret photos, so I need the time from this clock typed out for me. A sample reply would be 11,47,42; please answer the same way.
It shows 1,05,58
